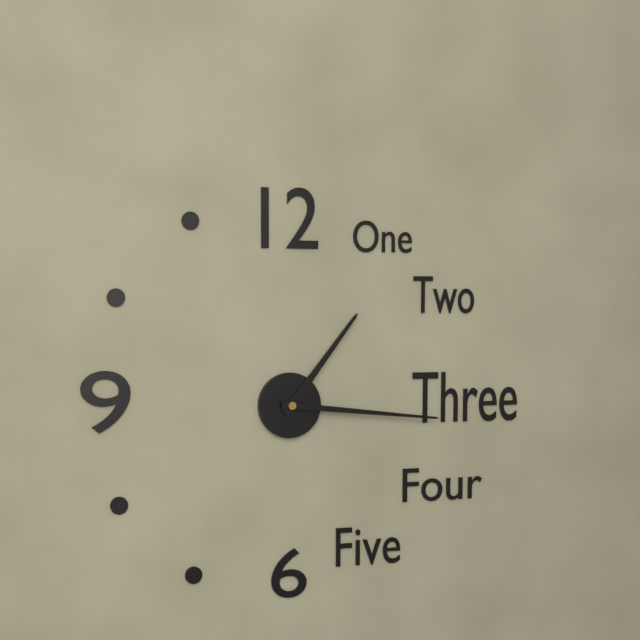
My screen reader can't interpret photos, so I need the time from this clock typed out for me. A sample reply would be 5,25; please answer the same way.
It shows 1,16
